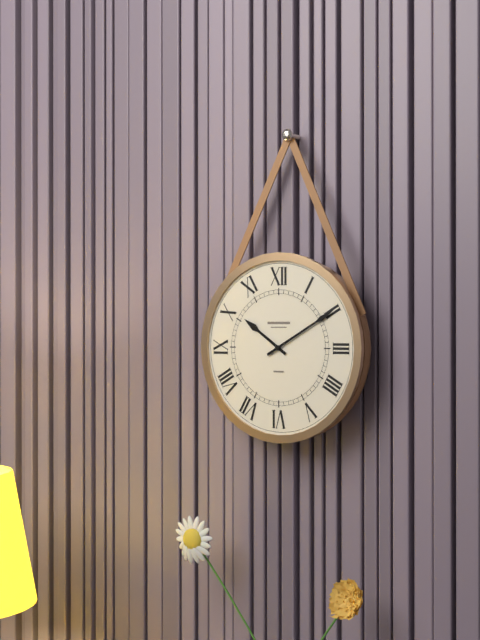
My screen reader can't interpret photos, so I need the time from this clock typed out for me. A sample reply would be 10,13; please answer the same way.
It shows 10,10
